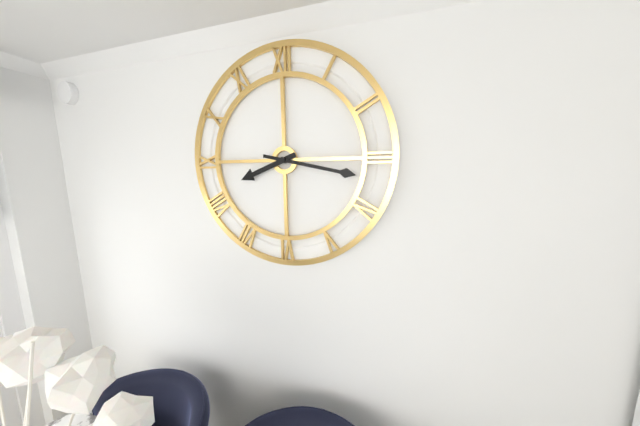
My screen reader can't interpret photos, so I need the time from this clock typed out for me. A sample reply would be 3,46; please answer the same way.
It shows 8,17
